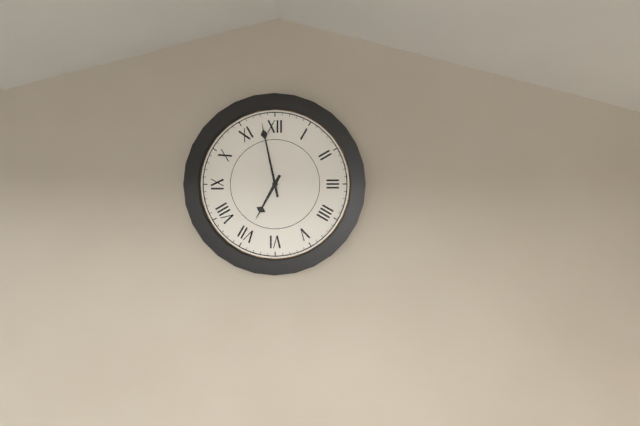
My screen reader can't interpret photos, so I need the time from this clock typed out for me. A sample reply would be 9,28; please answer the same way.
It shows 6,58
